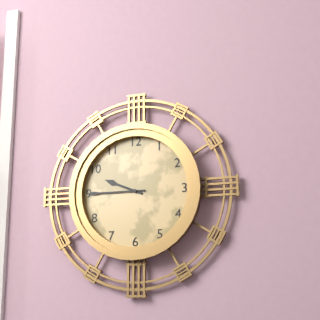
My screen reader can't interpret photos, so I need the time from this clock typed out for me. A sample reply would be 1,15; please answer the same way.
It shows 9,45
